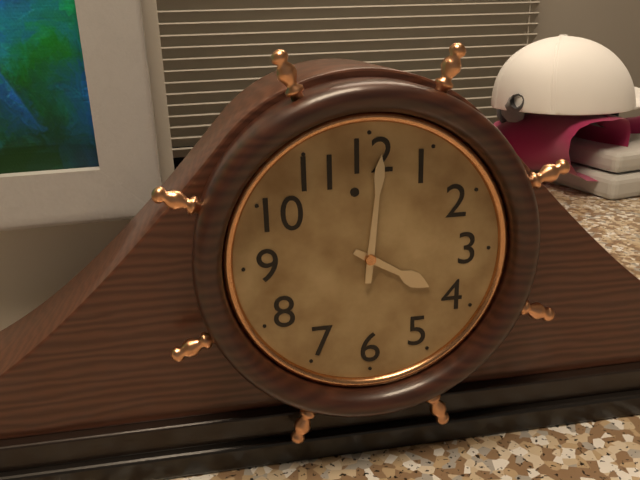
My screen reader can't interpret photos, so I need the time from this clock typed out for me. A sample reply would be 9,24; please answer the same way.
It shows 4,01
